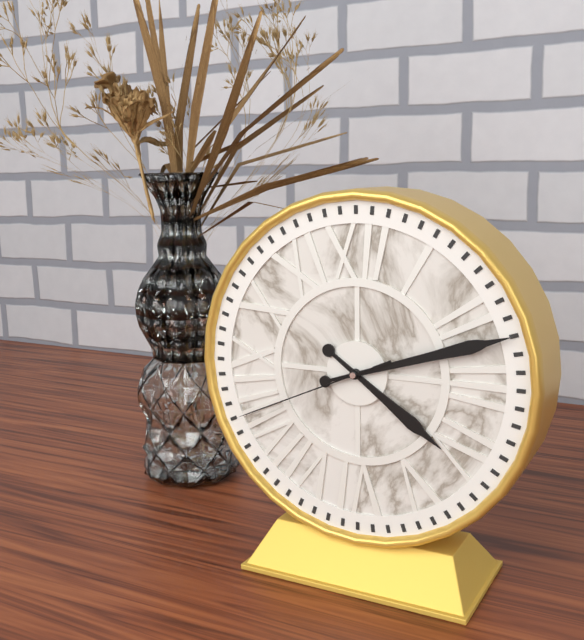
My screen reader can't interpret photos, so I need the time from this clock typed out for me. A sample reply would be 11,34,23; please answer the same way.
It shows 4,12,41
